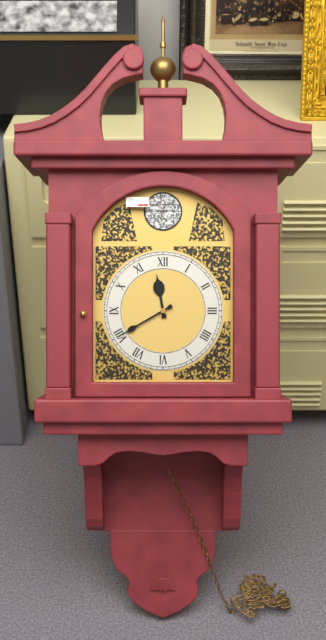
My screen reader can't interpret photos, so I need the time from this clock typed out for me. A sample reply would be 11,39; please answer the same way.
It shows 11,40
